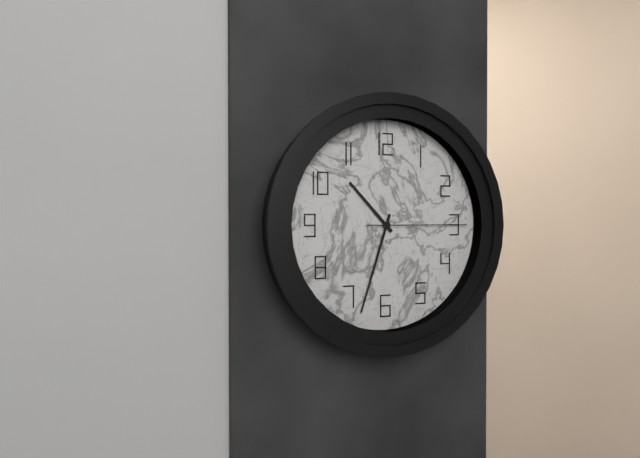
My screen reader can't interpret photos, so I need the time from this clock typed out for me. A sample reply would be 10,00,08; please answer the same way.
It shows 10,33,15
